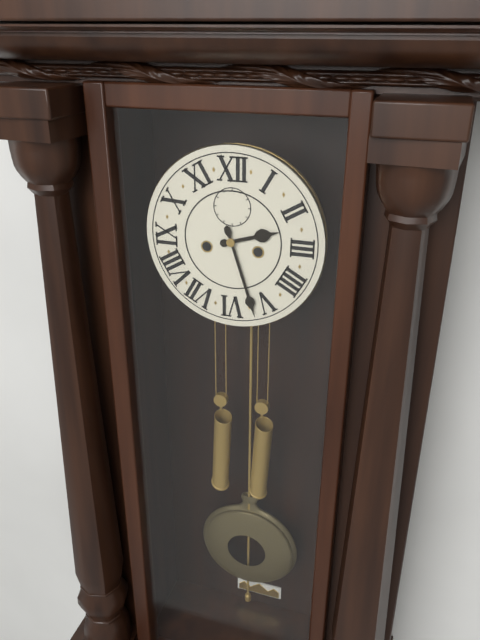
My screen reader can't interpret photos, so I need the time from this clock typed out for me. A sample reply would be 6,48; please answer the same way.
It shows 2,27
